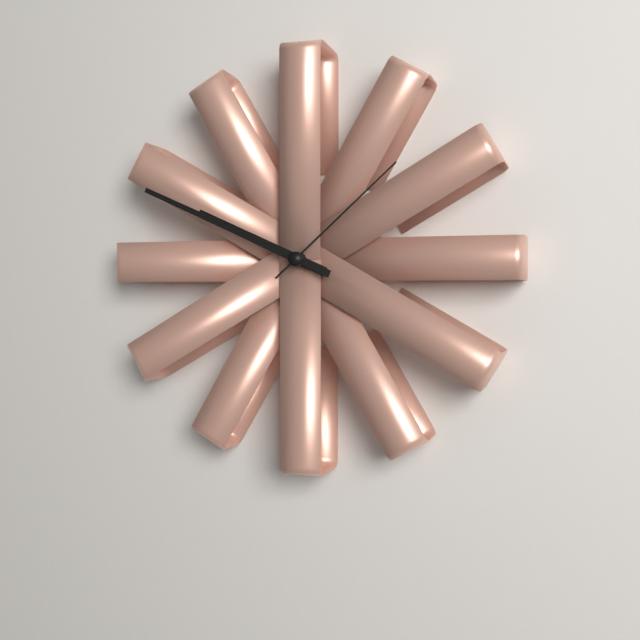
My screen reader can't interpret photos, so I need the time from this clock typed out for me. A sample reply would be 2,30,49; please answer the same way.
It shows 9,49,08
